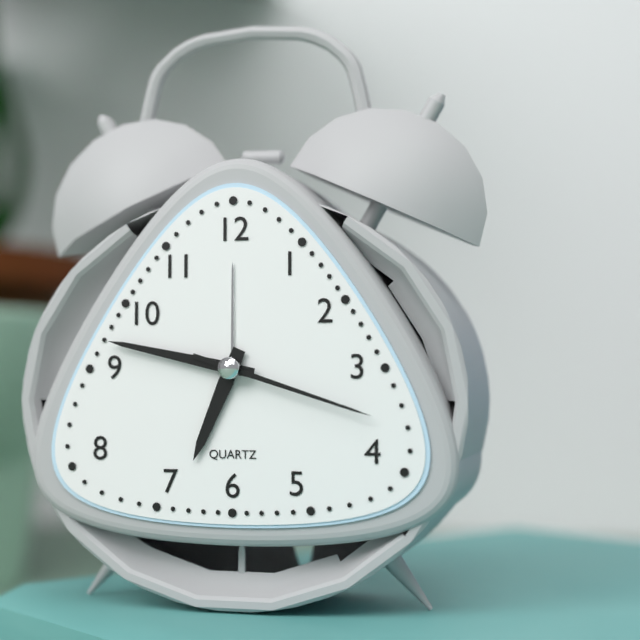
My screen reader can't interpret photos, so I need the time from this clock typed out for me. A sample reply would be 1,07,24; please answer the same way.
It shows 6,47,18
